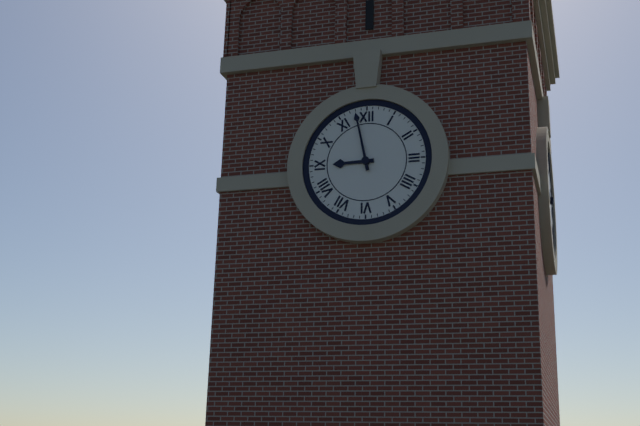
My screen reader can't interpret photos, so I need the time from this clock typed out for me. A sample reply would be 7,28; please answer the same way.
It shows 8,58
